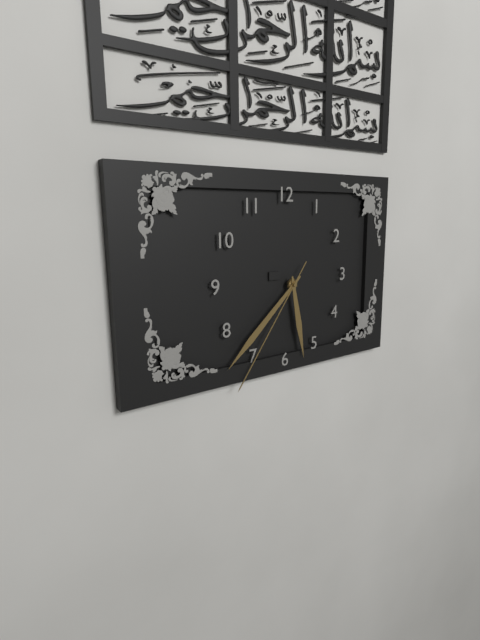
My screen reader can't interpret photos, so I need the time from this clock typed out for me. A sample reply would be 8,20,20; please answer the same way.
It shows 5,38,36
